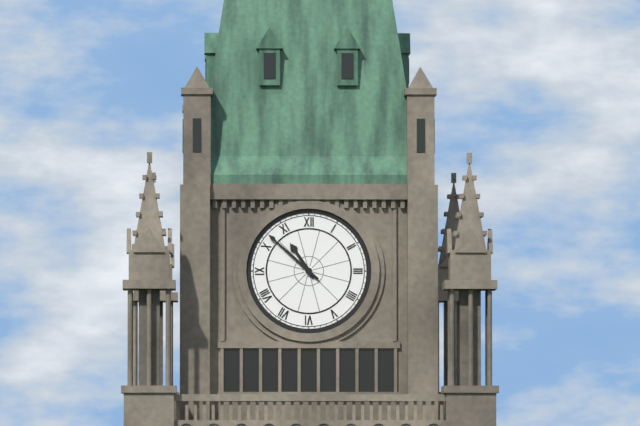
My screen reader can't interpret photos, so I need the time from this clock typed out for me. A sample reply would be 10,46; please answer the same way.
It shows 10,52
